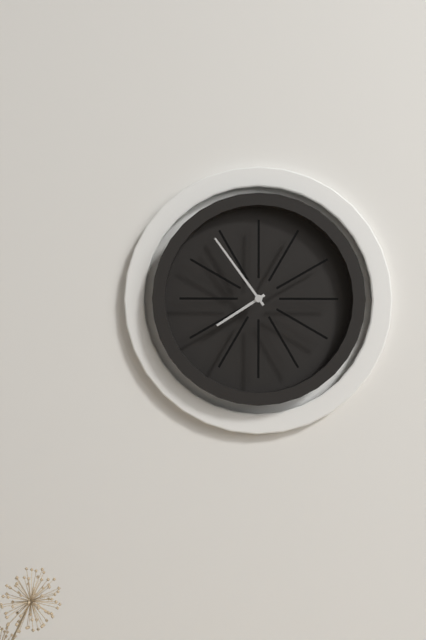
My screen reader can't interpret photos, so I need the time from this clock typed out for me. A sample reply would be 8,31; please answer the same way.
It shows 7,54
